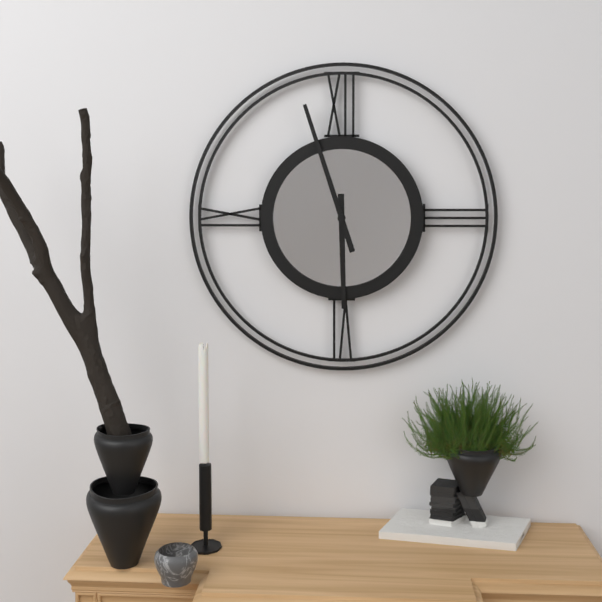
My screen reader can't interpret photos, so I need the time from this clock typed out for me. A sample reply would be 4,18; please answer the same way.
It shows 5,57
